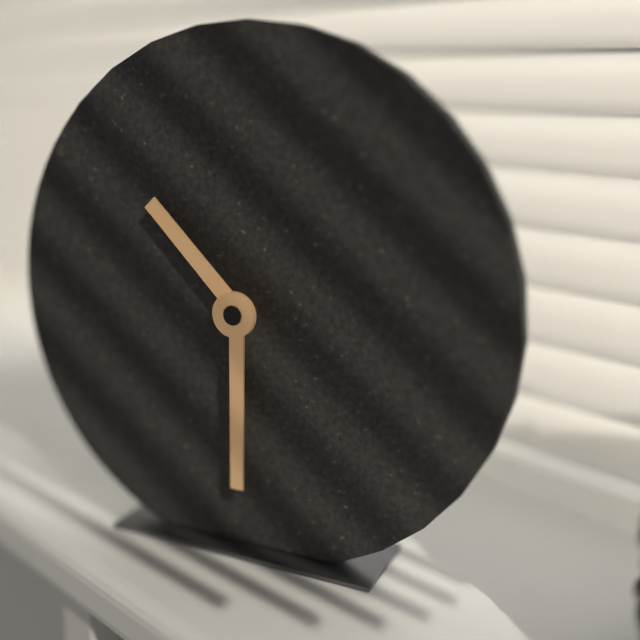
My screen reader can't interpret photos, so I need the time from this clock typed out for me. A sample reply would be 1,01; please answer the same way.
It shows 10,30
